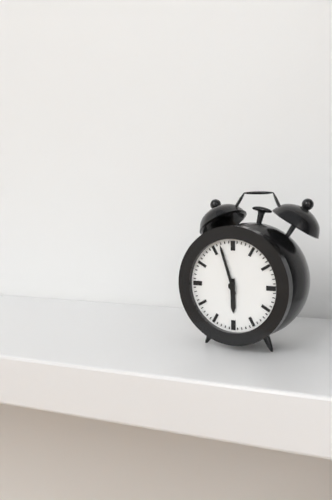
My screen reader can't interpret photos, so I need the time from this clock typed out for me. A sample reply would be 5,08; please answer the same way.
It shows 5,57
